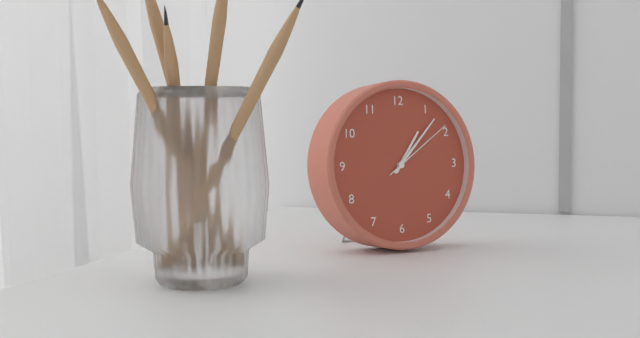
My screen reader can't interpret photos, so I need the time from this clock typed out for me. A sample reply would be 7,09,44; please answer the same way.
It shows 1,07,09
